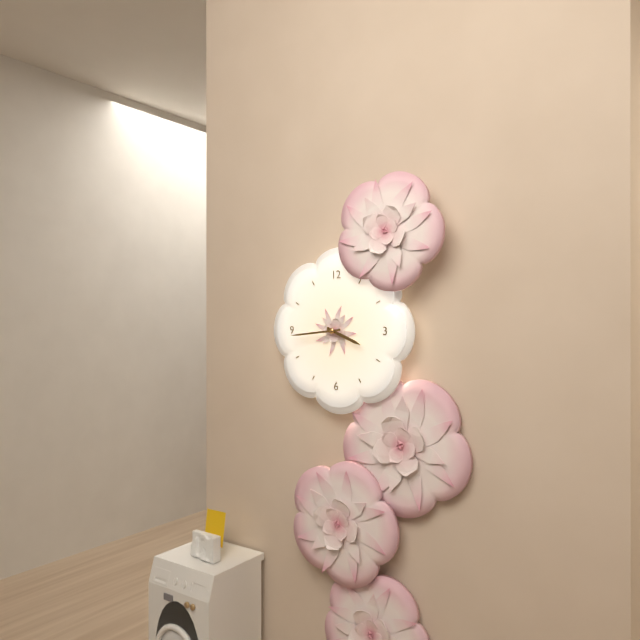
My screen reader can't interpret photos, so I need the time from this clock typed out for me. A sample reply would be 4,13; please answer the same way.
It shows 3,44
